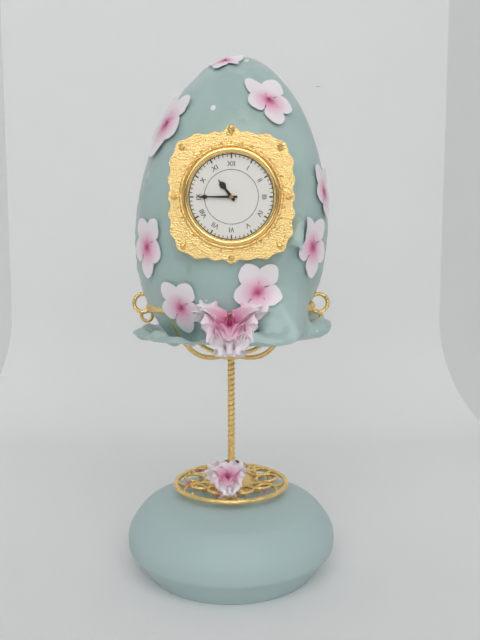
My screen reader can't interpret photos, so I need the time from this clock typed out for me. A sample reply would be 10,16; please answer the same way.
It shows 10,45
